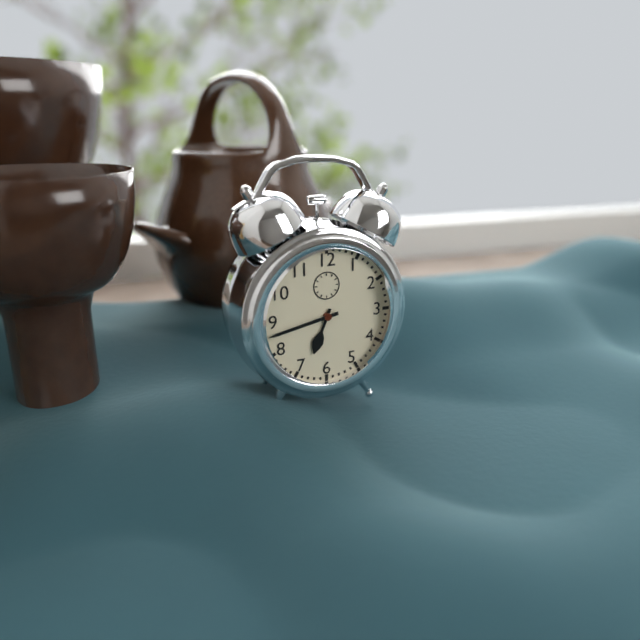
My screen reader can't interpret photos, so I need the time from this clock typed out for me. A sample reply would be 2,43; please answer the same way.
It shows 6,43
